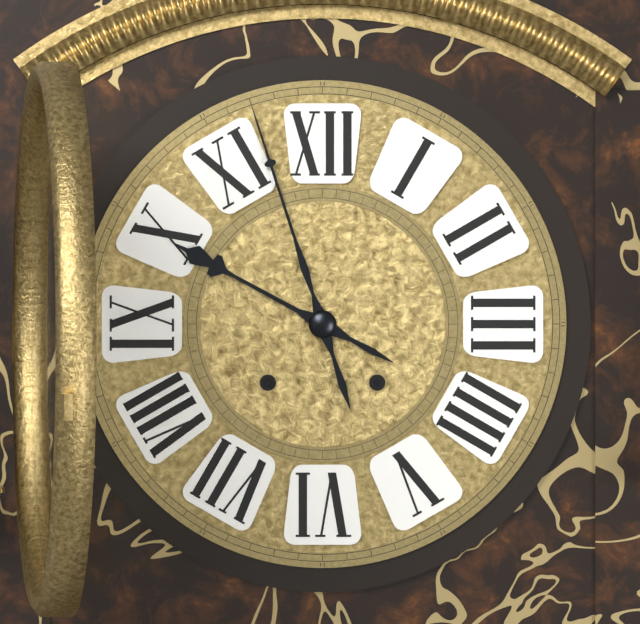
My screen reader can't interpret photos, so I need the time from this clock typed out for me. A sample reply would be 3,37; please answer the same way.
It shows 9,57
